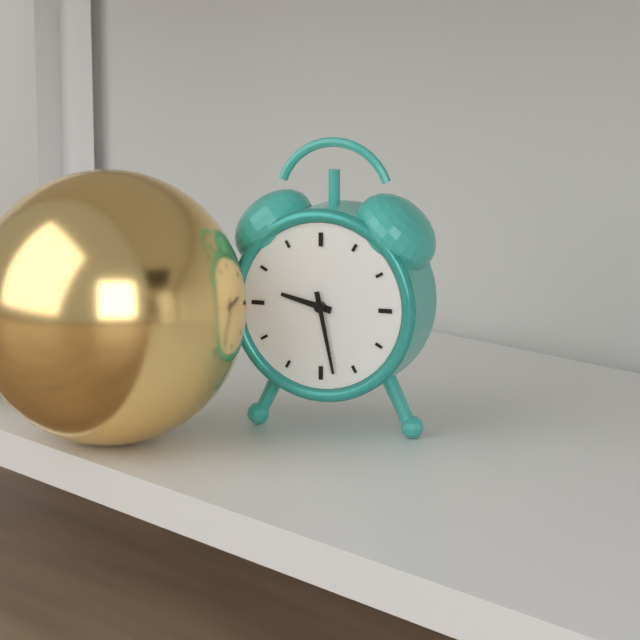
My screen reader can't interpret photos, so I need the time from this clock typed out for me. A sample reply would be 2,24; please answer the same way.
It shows 9,28
